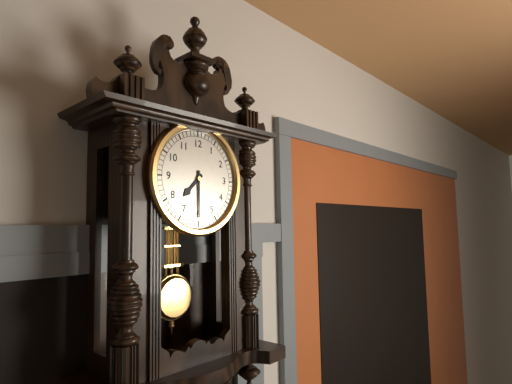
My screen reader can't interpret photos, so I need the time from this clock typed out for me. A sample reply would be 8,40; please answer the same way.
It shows 7,30
